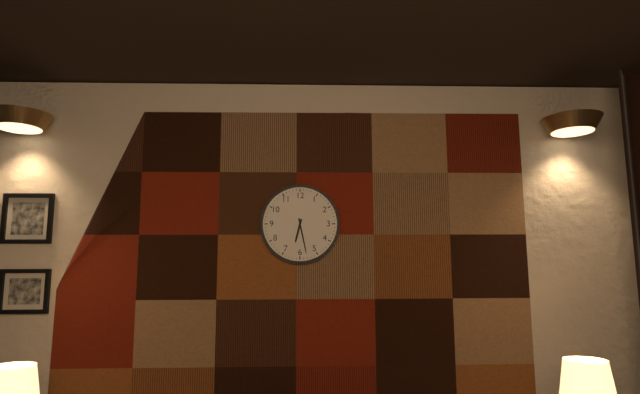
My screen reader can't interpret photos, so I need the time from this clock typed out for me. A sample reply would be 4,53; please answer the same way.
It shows 6,28
